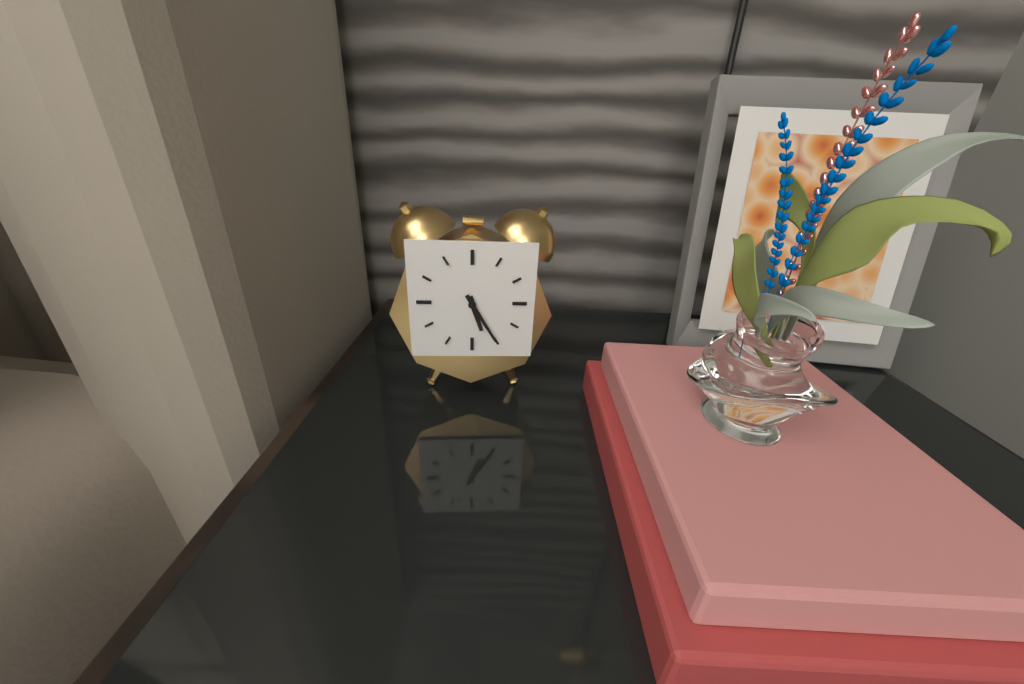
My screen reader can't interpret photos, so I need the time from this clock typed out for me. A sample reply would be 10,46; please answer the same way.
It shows 5,25
